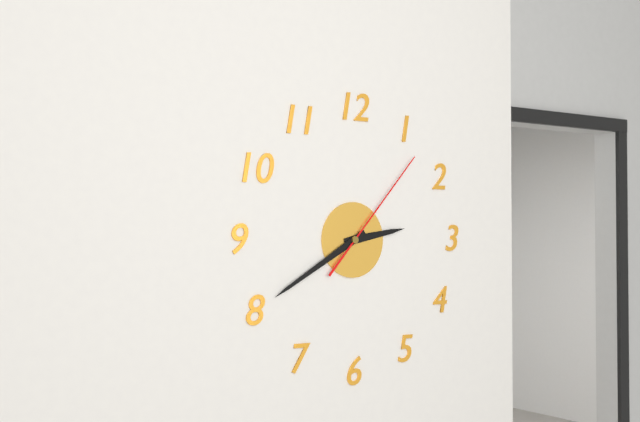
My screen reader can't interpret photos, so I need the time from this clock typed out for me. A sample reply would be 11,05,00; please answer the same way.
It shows 2,40,07
